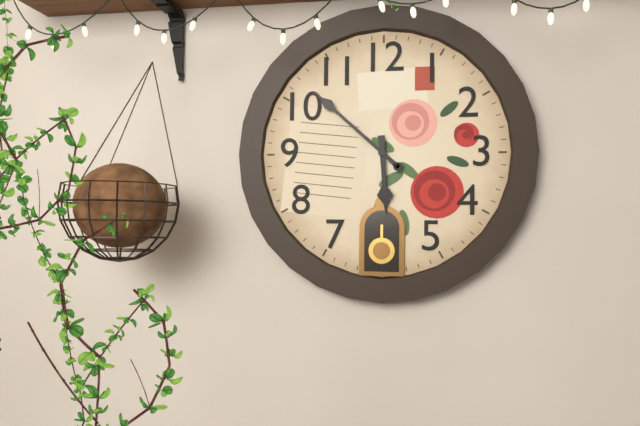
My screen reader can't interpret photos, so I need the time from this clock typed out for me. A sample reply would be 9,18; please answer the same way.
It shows 5,52
